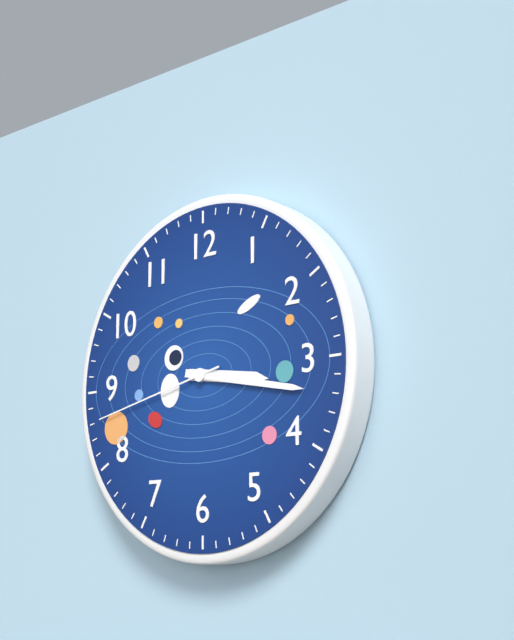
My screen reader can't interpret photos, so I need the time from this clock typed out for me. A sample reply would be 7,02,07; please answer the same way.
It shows 3,17,43
